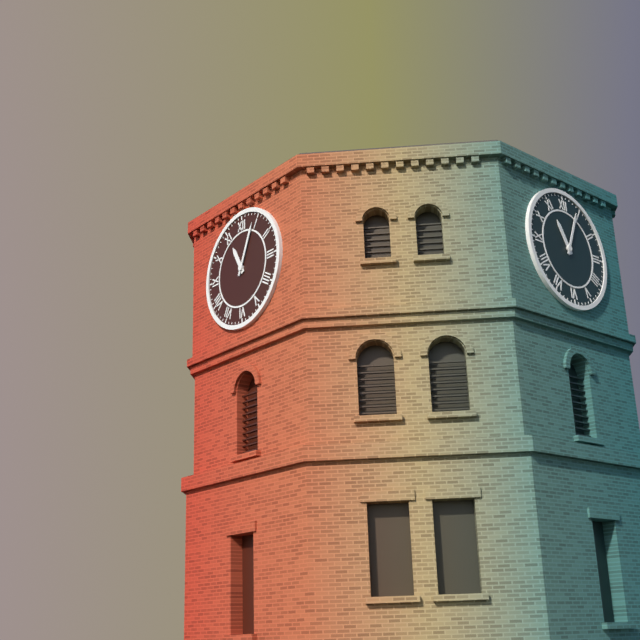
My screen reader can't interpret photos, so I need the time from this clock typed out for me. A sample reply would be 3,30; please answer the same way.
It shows 11,04
